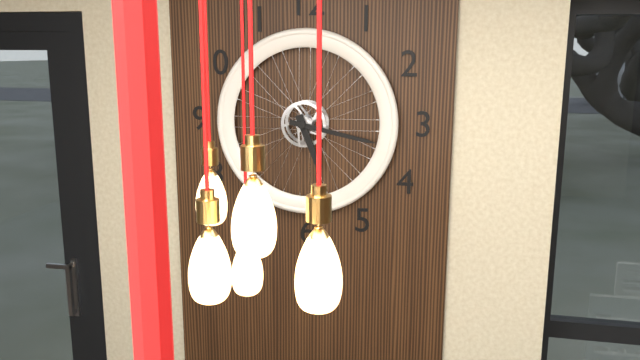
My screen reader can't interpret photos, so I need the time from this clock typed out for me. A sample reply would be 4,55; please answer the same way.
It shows 5,17
